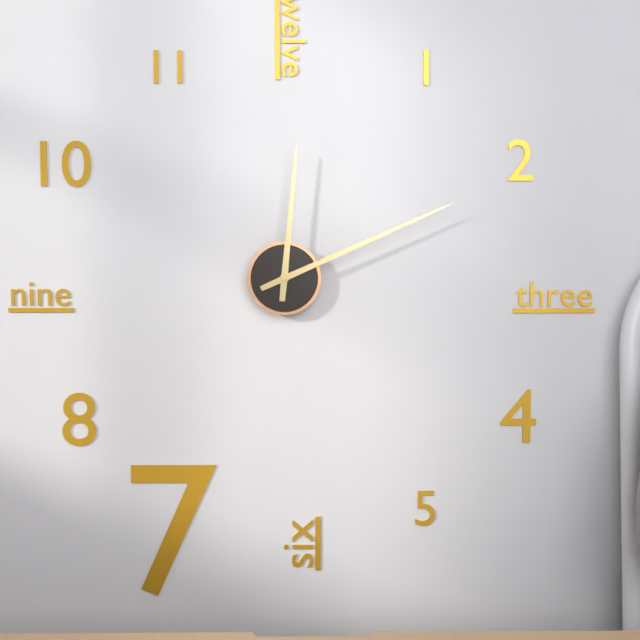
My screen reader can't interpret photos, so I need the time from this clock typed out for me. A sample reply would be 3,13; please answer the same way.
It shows 12,11
